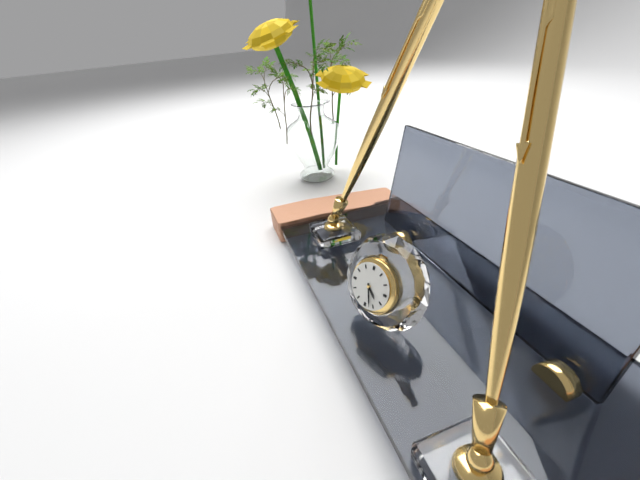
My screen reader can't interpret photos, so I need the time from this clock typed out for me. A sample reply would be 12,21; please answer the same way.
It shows 4,27
